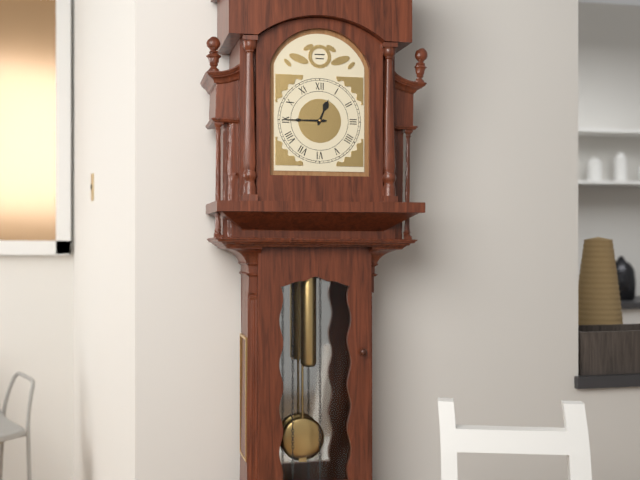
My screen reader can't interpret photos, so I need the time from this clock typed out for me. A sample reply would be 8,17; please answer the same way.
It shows 12,45
